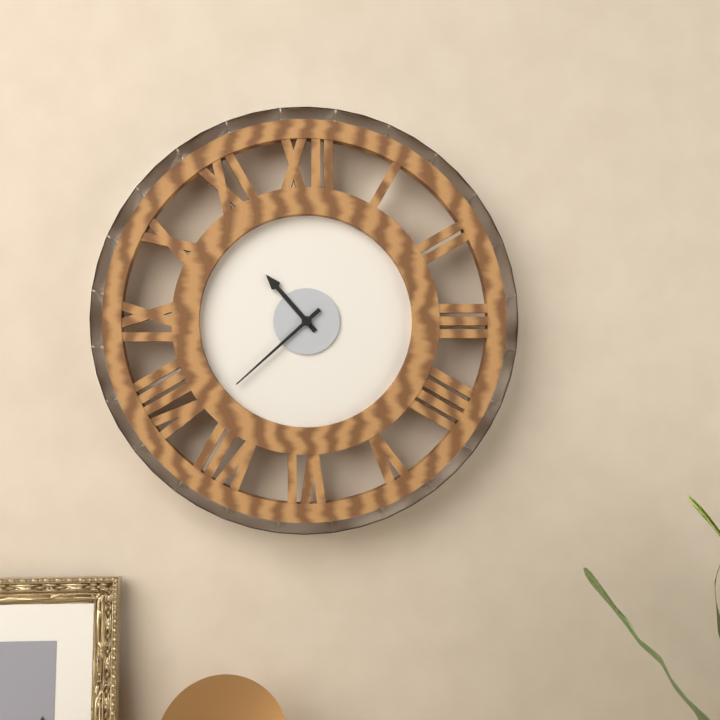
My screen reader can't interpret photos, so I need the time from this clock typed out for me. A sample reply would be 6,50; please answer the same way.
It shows 10,38
